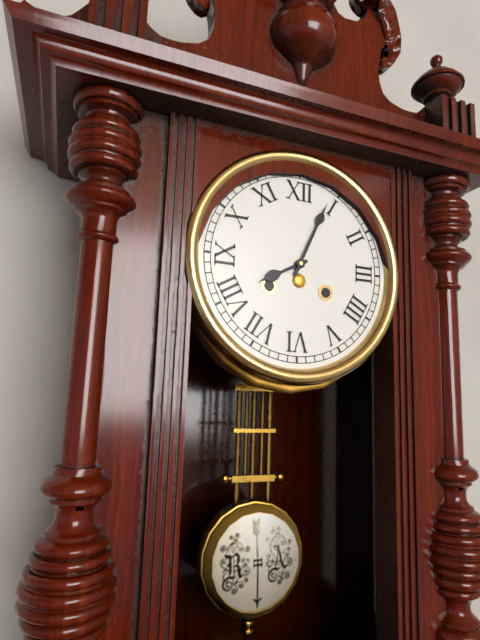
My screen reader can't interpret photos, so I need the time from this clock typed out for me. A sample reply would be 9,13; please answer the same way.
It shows 8,04
